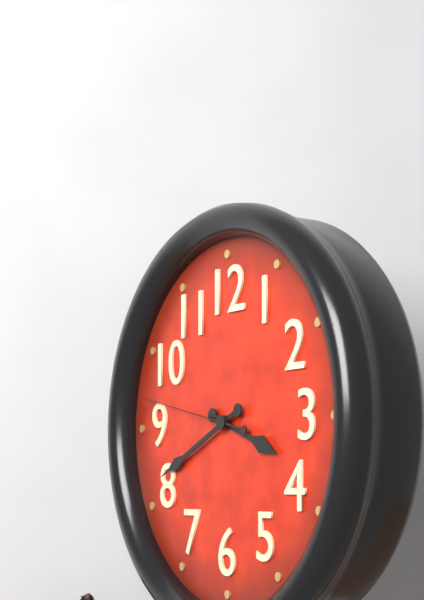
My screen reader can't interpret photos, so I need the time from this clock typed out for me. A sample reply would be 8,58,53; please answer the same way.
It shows 3,41,47
